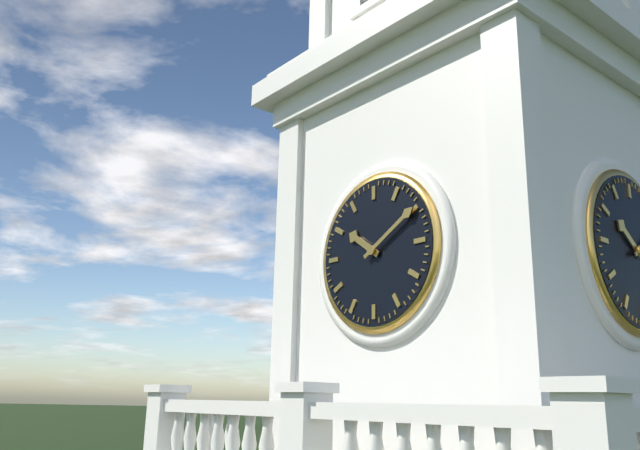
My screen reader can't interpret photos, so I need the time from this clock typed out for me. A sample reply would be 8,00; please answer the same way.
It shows 10,10
